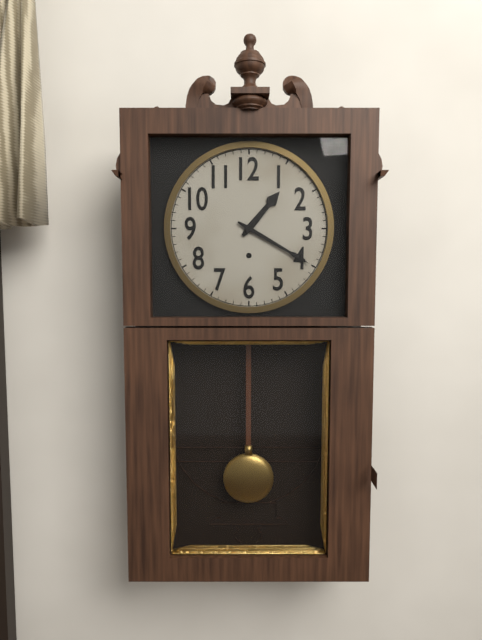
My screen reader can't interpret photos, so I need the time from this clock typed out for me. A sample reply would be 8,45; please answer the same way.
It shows 1,20
